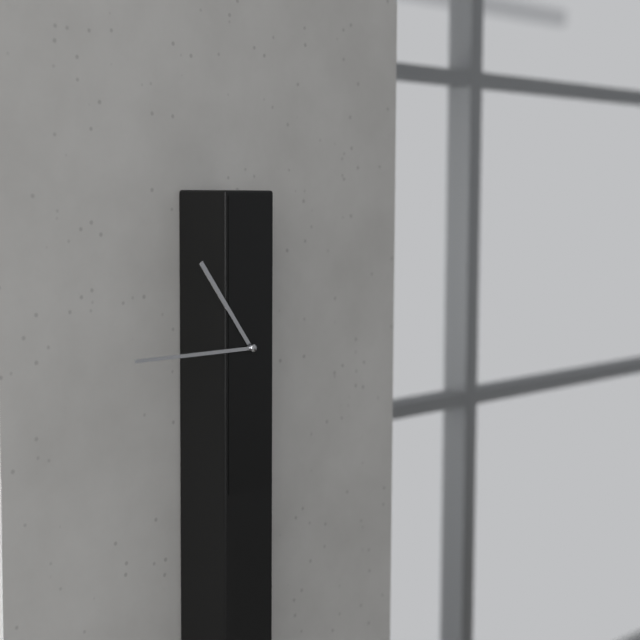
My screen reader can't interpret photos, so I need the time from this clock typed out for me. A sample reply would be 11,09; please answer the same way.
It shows 10,45
